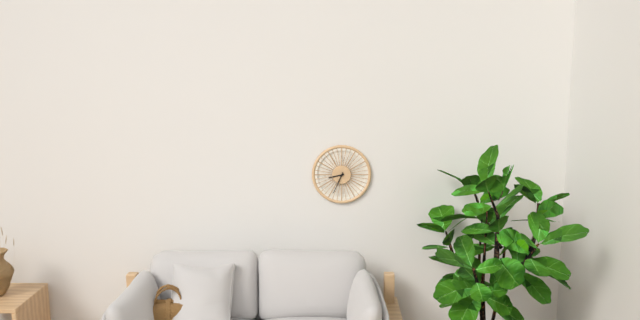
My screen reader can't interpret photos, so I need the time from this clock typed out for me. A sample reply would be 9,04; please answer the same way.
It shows 8,34
